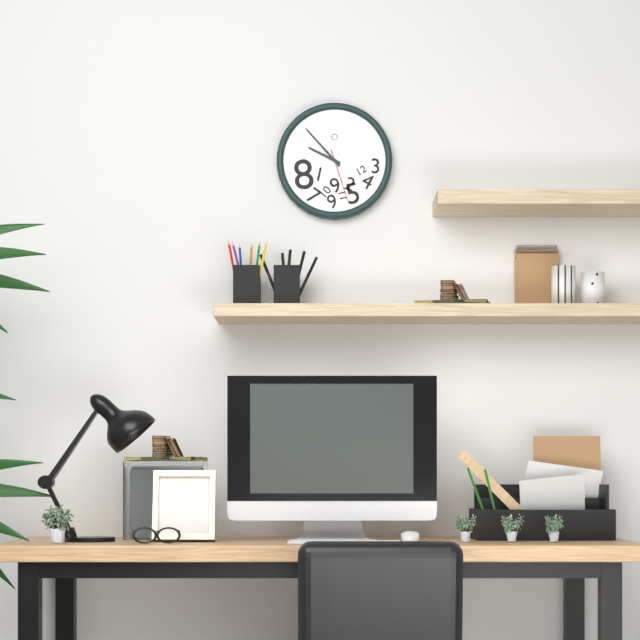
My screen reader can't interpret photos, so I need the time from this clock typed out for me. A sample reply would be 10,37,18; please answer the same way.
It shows 9,53,27
